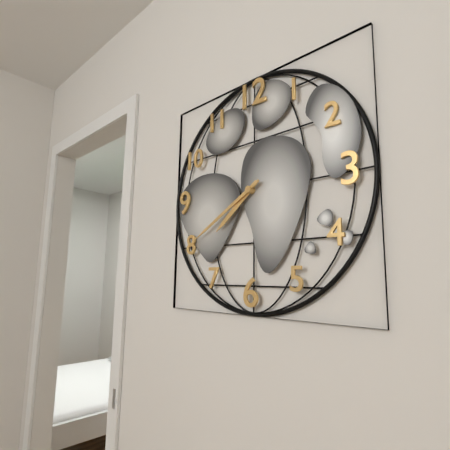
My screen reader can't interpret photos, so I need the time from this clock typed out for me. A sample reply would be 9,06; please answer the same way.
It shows 7,40
